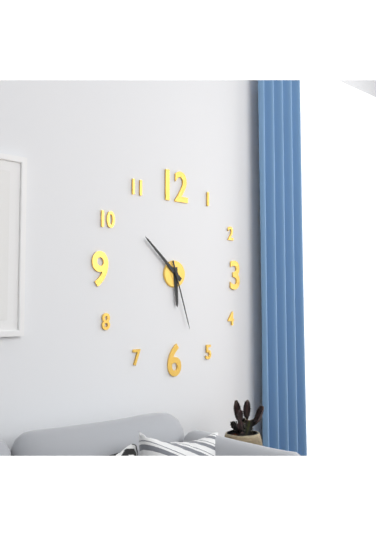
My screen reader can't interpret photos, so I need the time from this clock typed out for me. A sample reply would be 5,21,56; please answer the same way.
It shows 5,52,27
